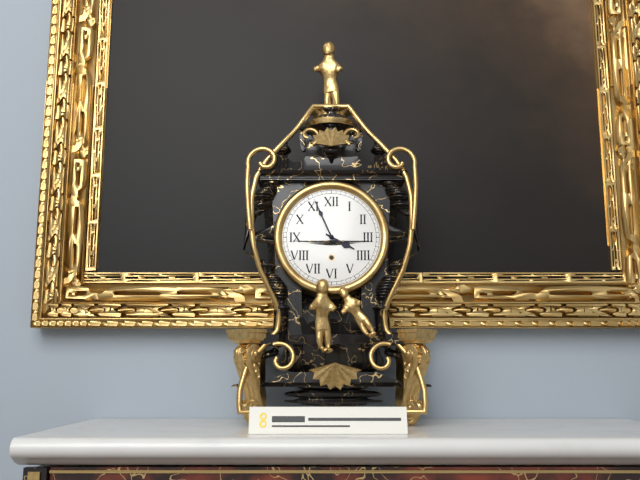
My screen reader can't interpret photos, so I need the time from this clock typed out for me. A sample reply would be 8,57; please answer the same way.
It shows 3,56
